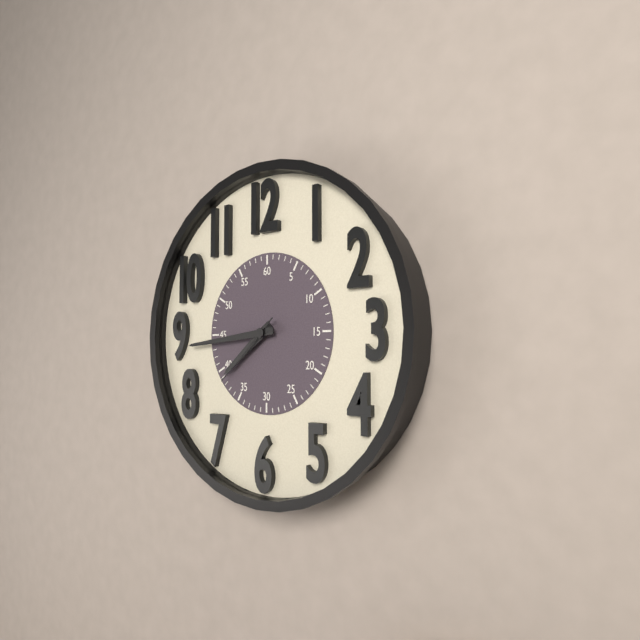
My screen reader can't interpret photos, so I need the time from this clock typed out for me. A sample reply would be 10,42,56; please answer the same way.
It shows 7,44,38
